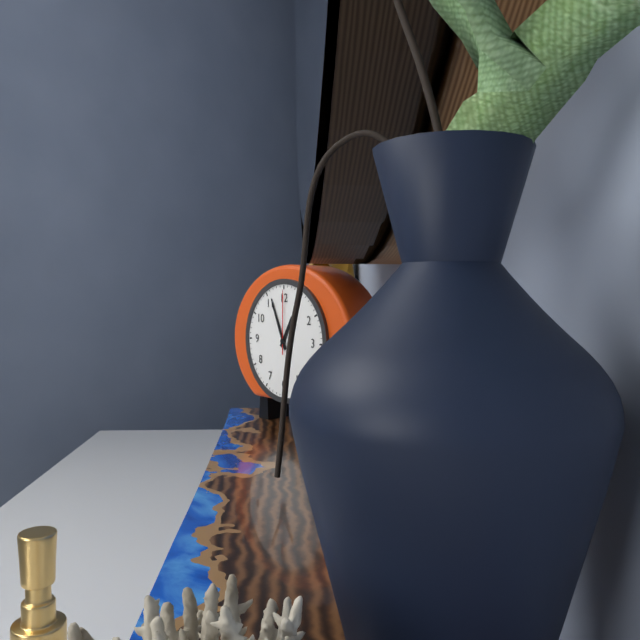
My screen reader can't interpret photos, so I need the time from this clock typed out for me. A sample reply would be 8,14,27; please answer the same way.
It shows 12,56,00
